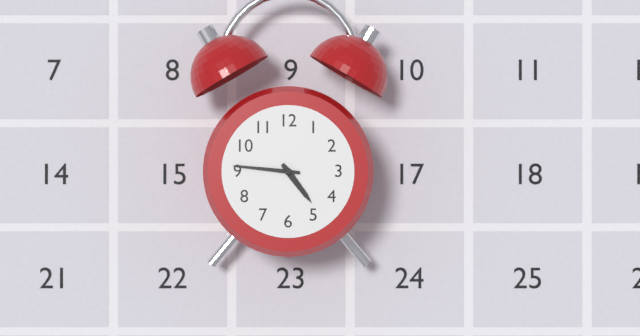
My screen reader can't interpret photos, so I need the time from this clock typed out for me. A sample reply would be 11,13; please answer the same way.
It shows 4,46
